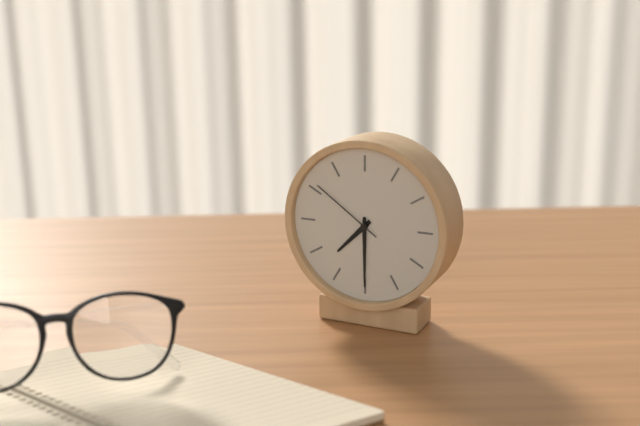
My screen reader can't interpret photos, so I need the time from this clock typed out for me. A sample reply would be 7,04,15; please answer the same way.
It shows 7,30,51
